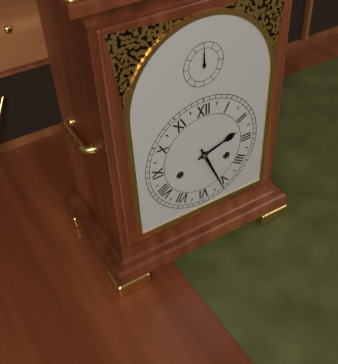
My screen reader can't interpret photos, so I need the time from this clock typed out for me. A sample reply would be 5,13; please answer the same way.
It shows 2,26
